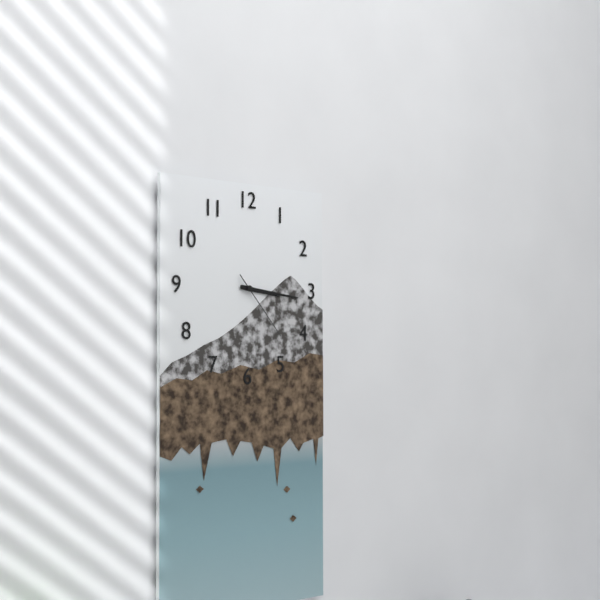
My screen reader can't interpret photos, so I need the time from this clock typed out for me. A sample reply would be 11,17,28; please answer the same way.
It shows 3,16,23
